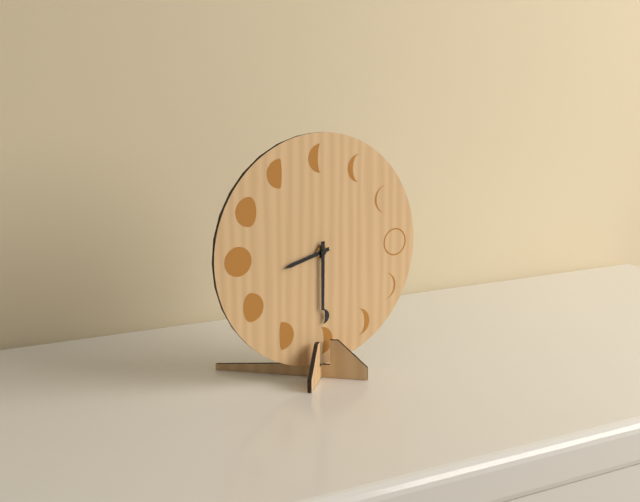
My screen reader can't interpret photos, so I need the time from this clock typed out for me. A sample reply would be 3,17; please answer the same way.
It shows 8,30
